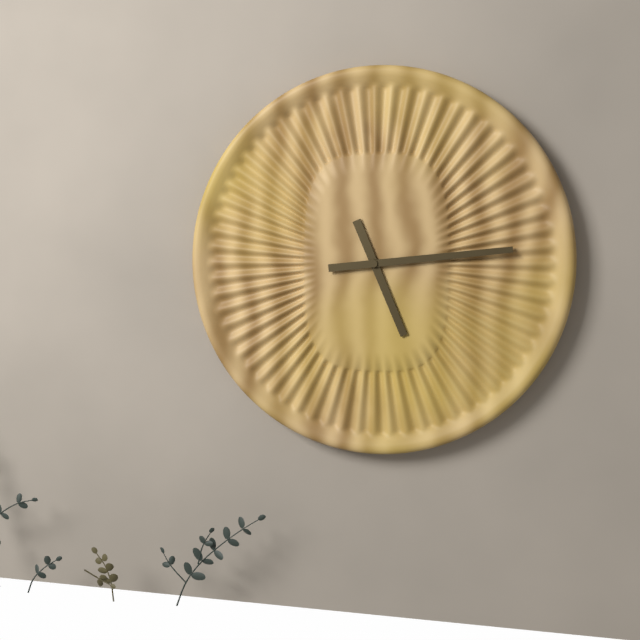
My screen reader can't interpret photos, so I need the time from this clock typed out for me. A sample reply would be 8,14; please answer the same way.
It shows 5,14
